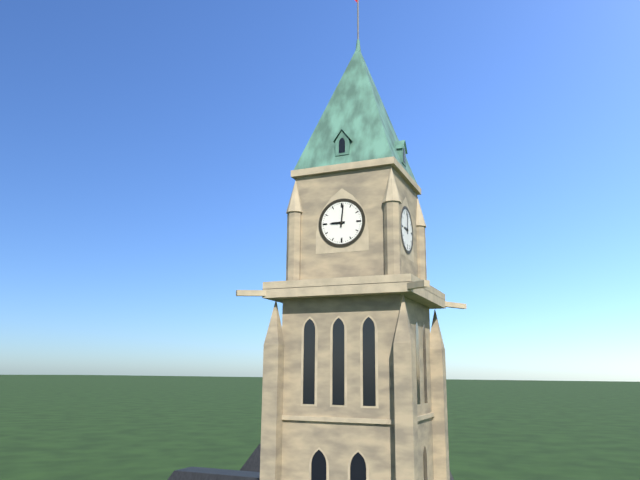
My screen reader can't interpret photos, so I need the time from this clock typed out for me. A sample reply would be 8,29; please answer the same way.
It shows 9,01
